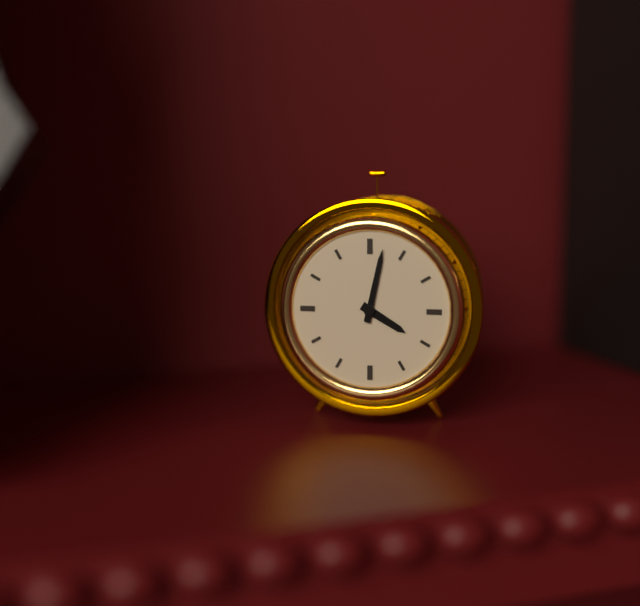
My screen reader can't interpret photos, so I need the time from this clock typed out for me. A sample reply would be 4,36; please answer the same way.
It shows 4,02
